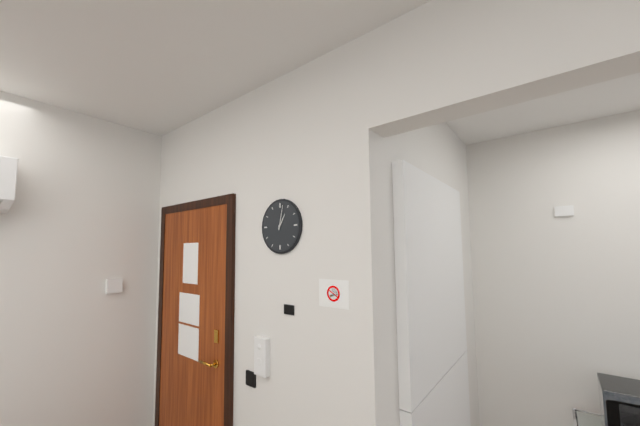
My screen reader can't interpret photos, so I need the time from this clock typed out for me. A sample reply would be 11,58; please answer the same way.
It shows 1,02
